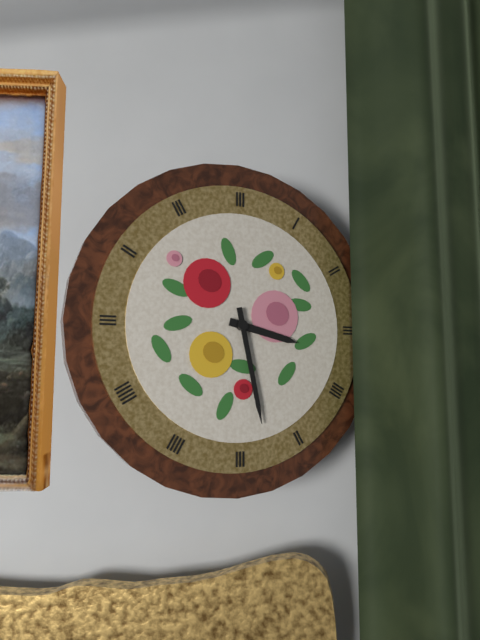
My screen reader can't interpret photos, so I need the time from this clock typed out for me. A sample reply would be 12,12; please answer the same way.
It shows 3,28
